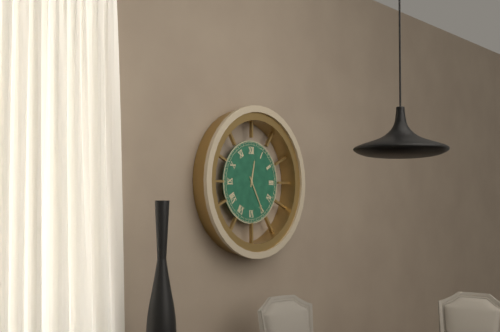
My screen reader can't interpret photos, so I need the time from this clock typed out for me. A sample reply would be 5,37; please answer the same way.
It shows 12,25
